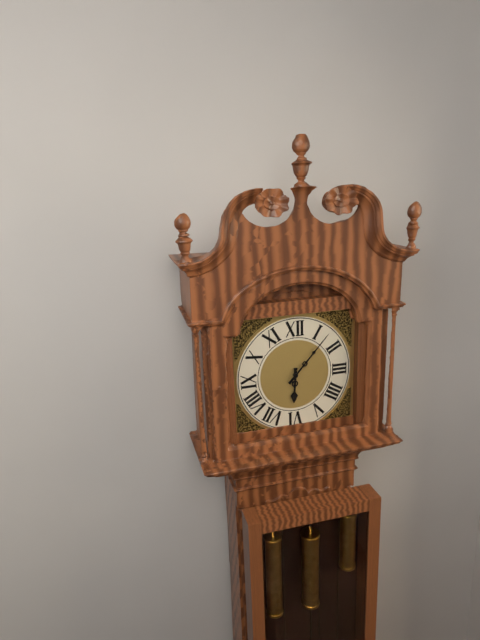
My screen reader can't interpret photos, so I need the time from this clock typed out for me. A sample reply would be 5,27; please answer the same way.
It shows 6,07
